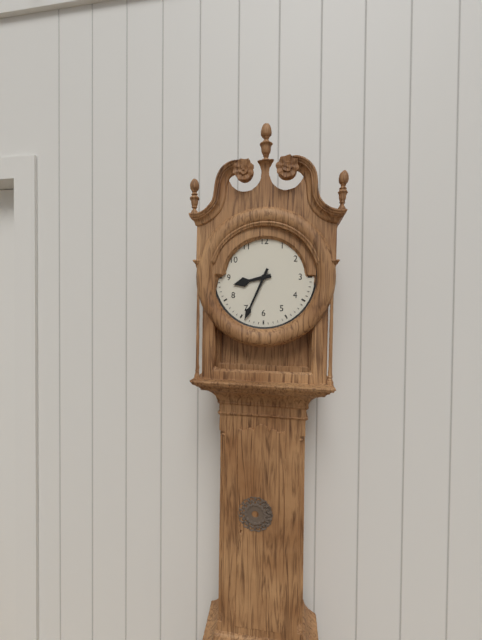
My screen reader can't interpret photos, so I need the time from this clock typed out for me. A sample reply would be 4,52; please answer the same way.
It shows 8,34
